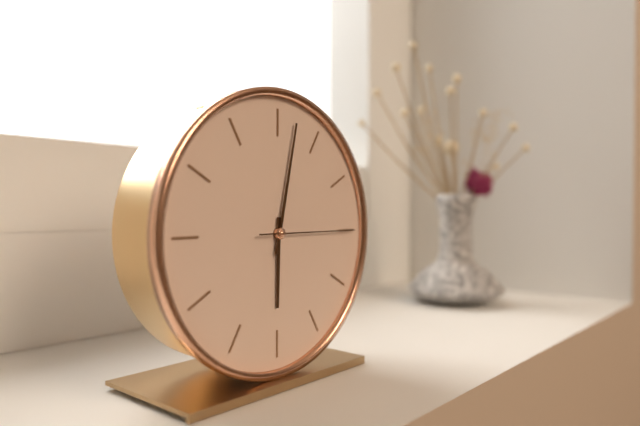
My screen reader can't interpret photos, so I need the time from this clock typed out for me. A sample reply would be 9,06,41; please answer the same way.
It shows 6,02,15
